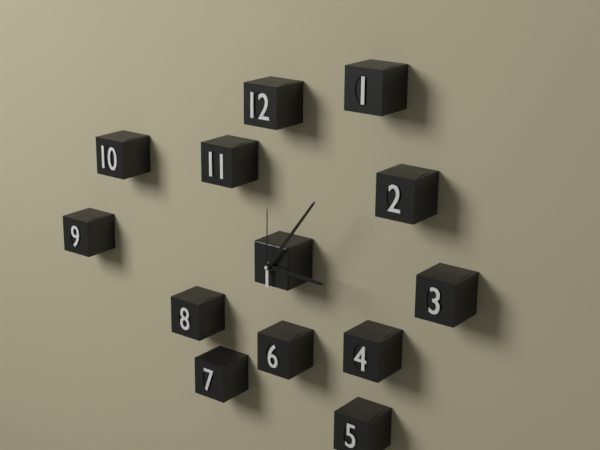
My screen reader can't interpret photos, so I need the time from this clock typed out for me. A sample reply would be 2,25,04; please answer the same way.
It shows 3,06,00
